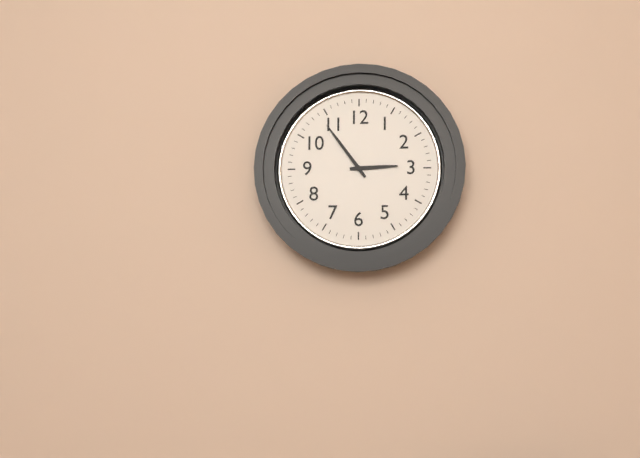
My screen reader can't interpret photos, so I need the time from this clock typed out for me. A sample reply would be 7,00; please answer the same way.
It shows 2,54
